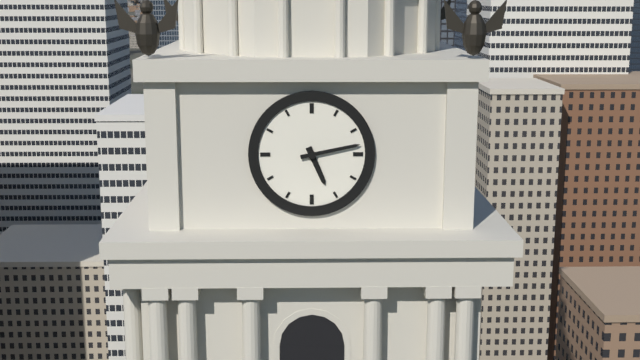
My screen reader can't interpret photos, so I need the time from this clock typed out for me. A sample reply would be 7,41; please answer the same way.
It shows 5,13
